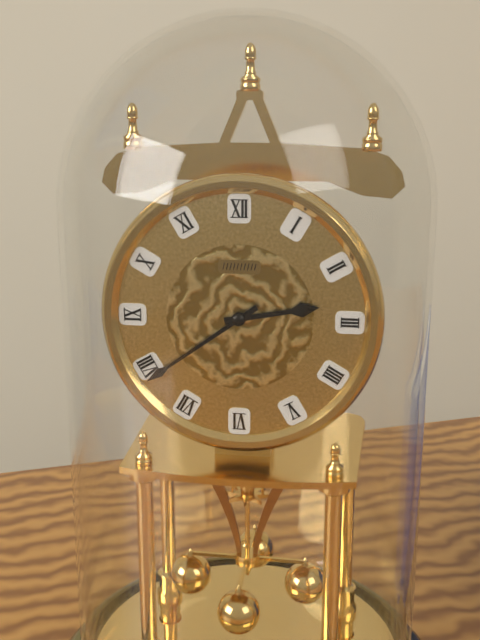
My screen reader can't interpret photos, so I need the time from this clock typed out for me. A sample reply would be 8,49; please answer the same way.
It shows 2,39
